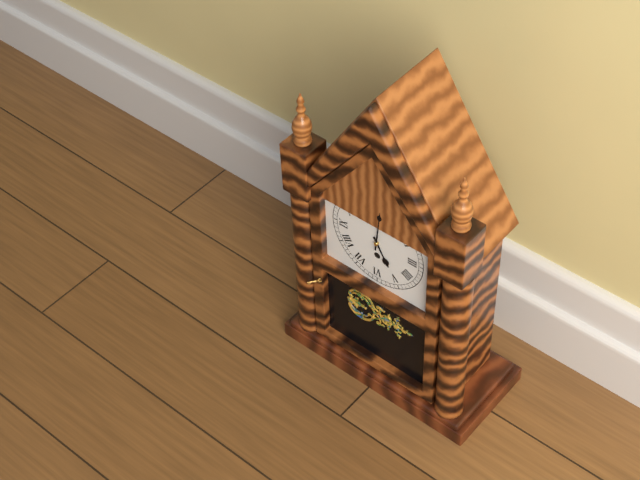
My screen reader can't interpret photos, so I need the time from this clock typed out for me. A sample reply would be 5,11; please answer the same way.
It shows 5,01
